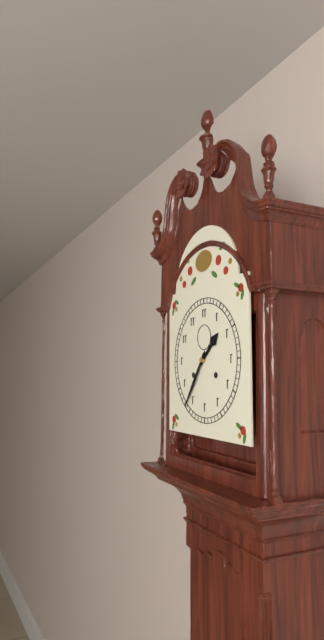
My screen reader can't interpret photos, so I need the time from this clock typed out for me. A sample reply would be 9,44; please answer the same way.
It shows 1,36
